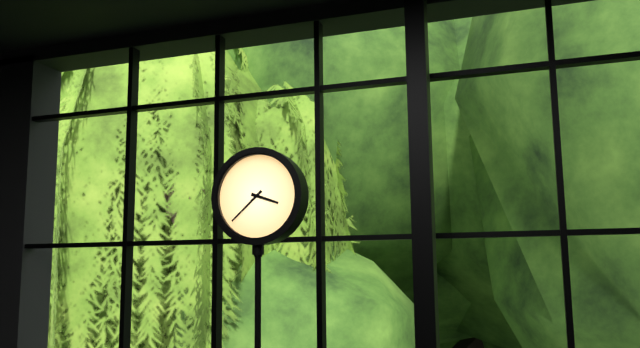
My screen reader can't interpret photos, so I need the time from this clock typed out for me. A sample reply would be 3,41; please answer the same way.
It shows 3,38
